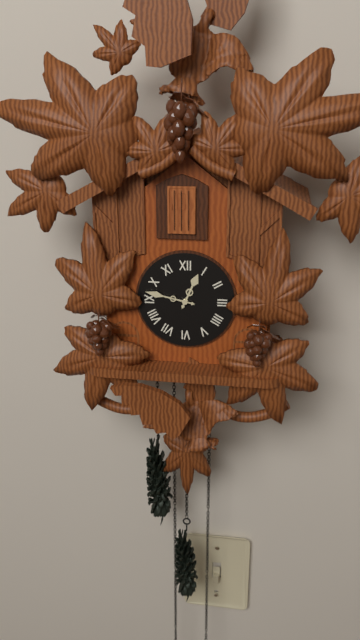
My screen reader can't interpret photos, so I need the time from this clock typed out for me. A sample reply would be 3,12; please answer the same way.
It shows 12,47
